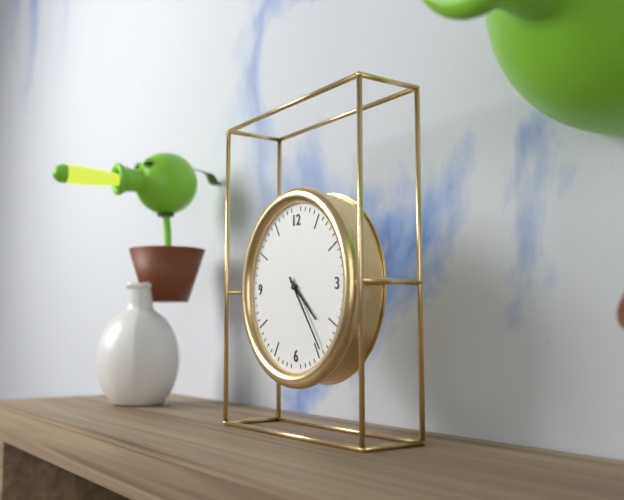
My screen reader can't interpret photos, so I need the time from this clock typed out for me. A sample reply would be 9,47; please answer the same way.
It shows 4,24
